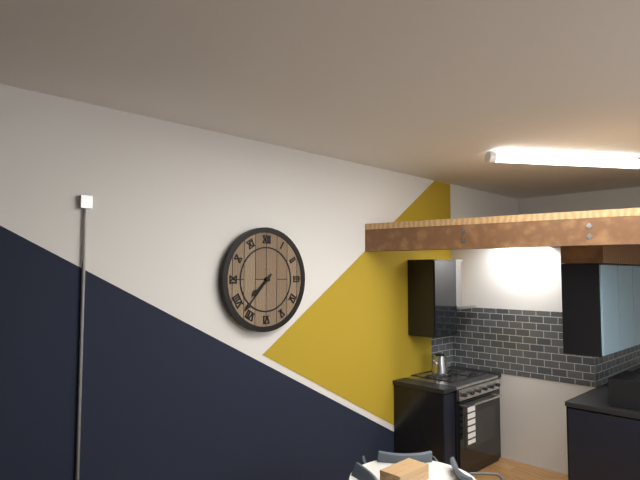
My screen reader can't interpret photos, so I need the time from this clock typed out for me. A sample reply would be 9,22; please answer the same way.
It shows 7,37
